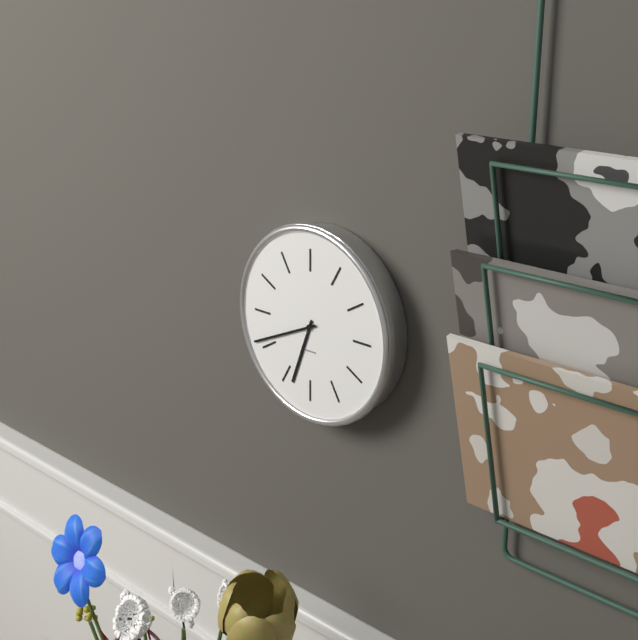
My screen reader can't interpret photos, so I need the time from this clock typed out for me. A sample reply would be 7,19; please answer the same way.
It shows 6,41
